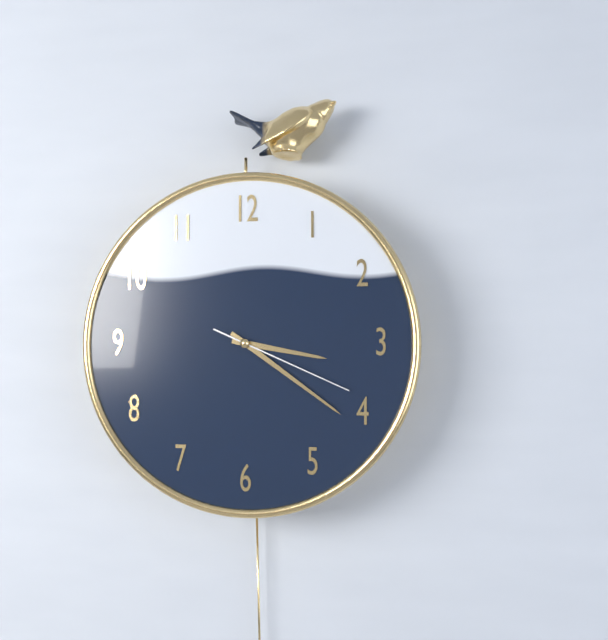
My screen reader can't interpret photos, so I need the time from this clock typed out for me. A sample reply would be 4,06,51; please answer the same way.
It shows 3,21,19
